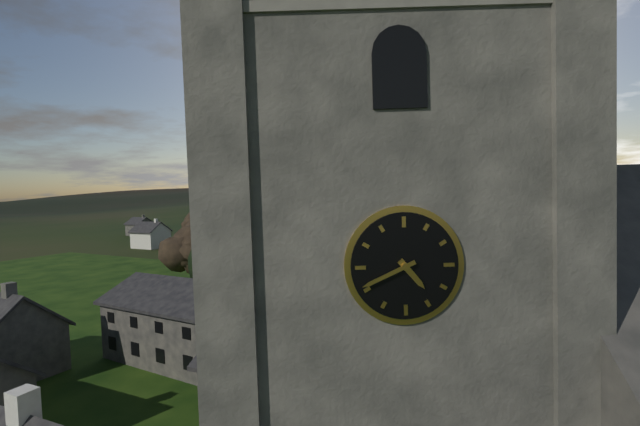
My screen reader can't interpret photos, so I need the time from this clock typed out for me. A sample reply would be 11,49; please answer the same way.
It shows 4,41
